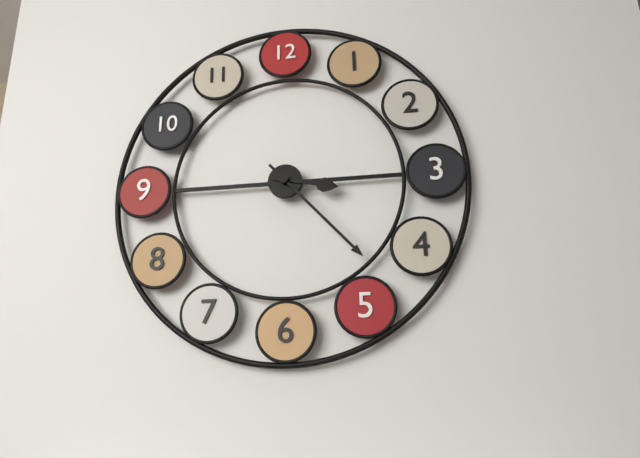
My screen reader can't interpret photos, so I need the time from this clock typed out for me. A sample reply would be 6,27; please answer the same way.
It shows 3,23
